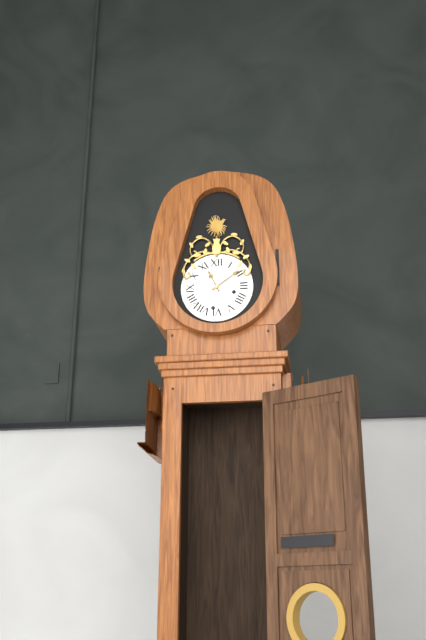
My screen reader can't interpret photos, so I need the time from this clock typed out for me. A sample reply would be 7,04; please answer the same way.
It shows 11,09
